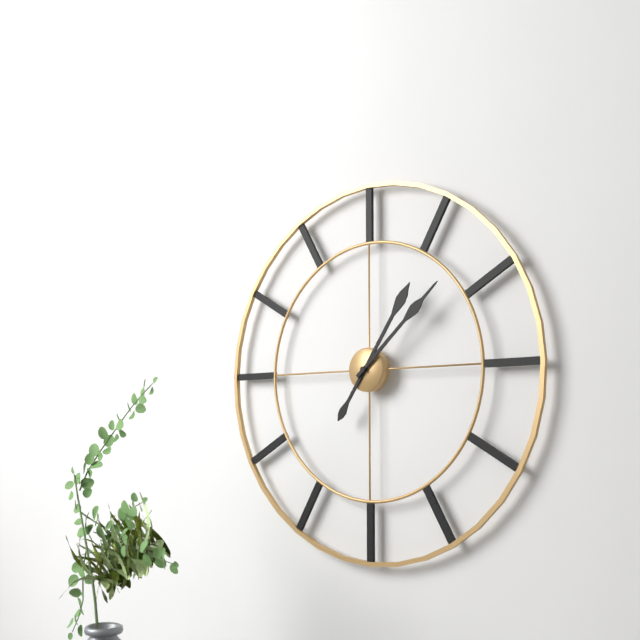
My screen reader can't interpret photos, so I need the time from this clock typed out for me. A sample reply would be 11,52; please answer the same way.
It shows 1,08
